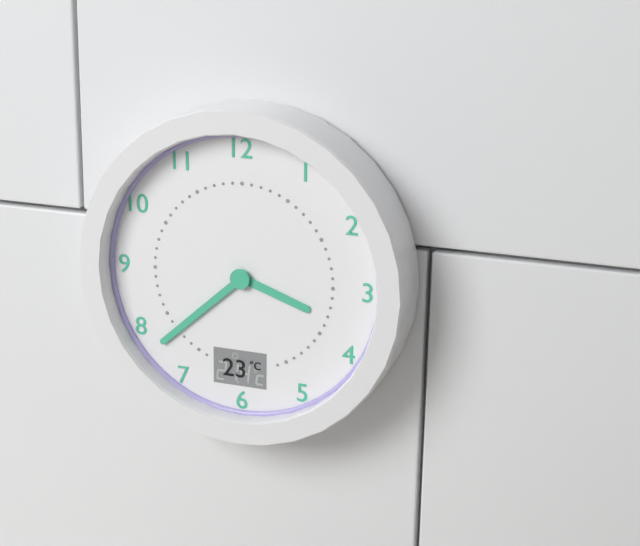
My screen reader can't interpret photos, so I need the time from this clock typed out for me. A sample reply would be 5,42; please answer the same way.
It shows 3,38
